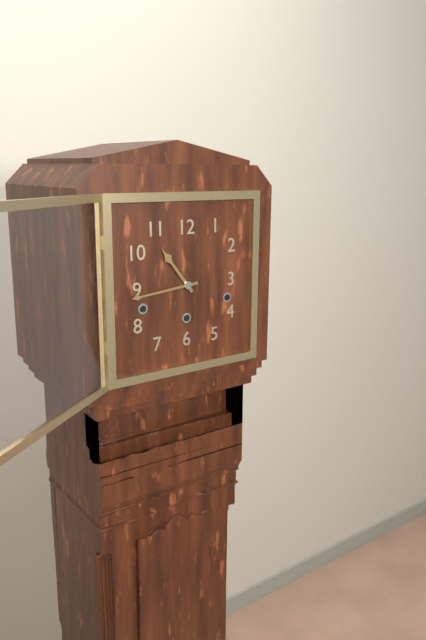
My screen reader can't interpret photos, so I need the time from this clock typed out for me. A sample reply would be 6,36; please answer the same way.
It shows 10,44
